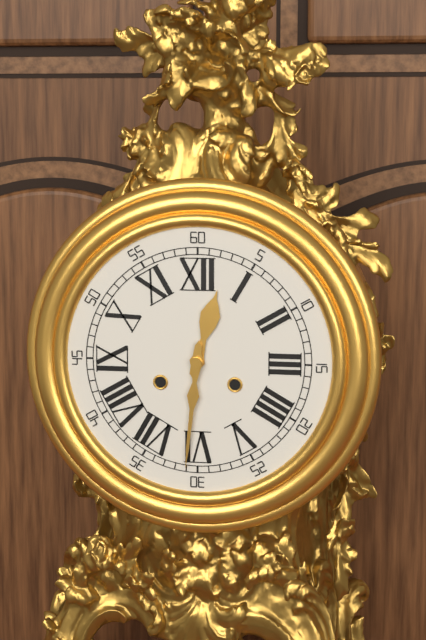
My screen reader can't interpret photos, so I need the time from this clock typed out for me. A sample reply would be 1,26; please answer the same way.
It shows 12,31
